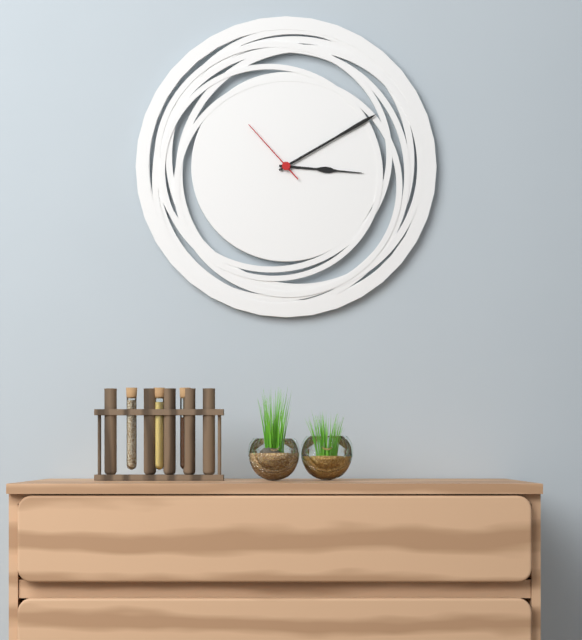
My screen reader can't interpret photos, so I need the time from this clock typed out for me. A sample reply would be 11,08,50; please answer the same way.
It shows 3,10,53
